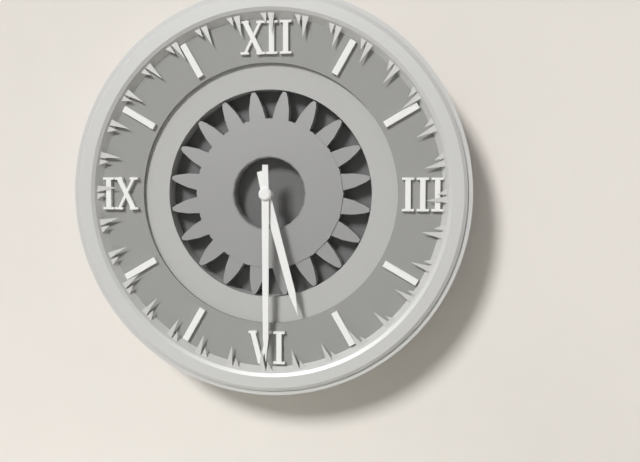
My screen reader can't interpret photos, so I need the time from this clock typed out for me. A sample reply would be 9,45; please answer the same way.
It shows 5,30
